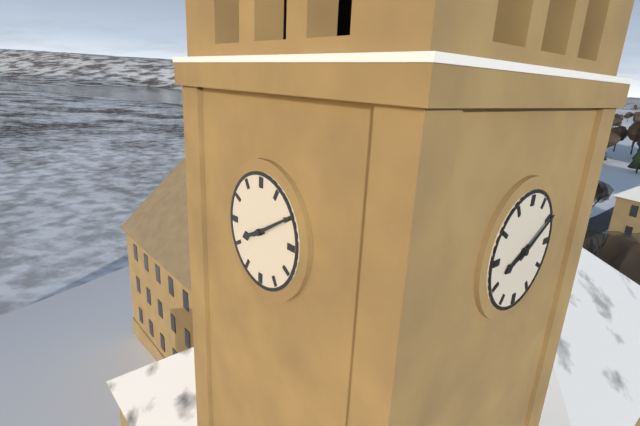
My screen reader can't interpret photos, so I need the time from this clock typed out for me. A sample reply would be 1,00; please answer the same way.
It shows 8,10
